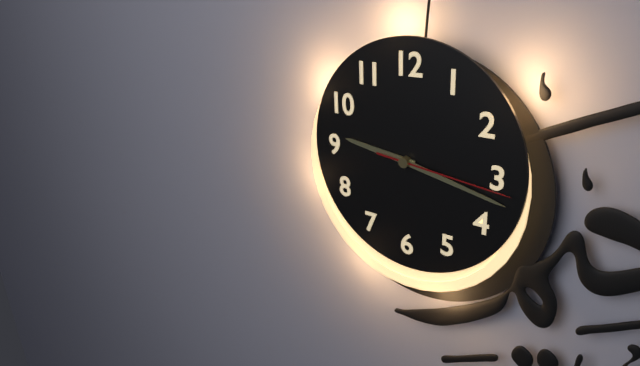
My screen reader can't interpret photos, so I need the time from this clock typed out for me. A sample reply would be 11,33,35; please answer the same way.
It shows 9,17,16
